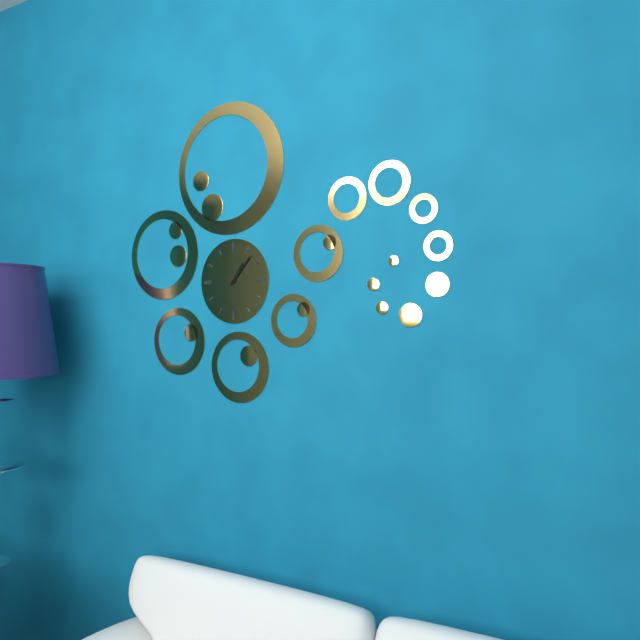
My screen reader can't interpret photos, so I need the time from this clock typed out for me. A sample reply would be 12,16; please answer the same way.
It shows 1,07
